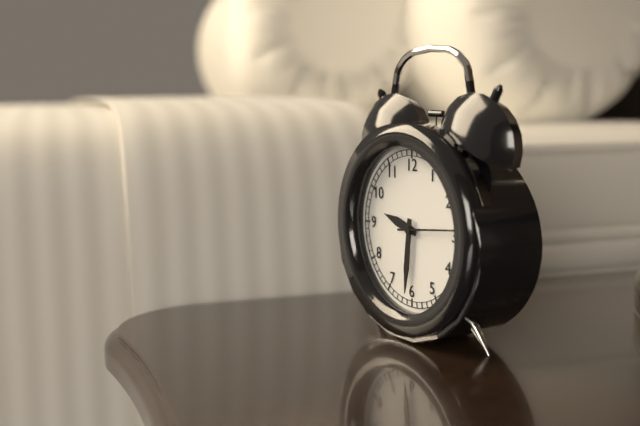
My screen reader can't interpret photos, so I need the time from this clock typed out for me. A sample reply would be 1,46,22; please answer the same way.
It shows 9,31,14
